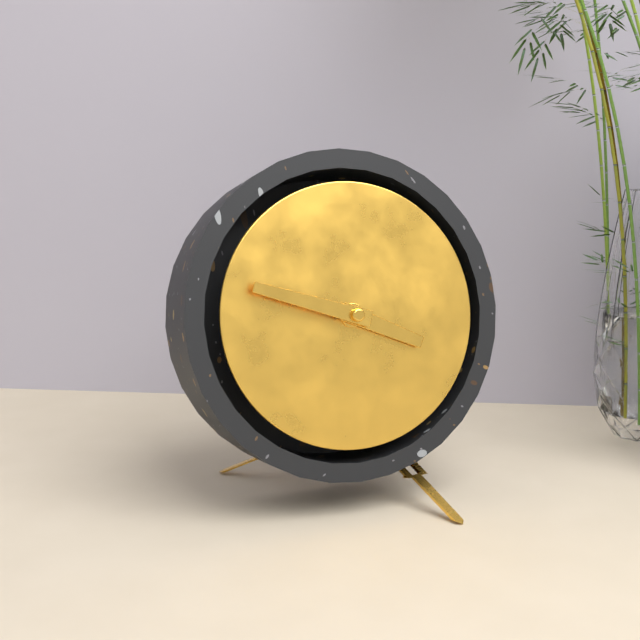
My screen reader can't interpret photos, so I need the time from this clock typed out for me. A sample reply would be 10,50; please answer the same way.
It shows 3,48
